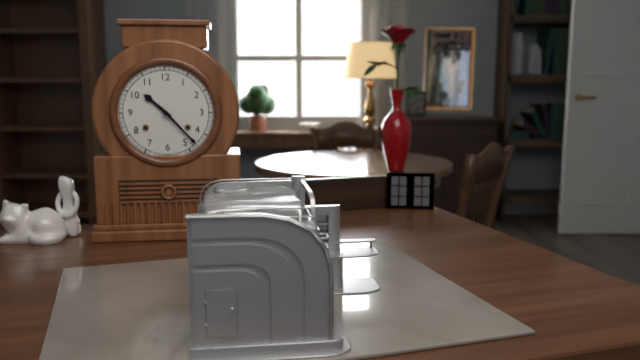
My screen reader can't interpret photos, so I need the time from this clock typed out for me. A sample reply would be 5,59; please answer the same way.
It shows 10,23
